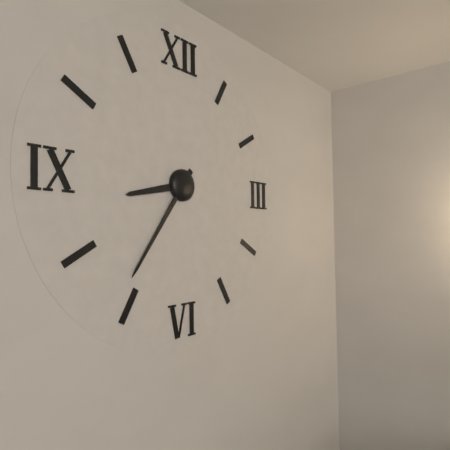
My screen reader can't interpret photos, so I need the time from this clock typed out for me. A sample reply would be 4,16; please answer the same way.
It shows 8,36
